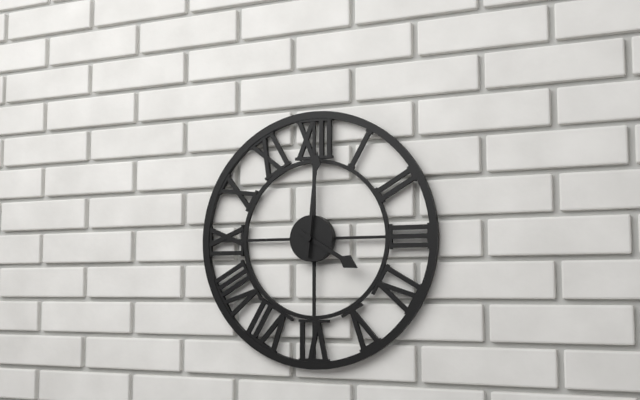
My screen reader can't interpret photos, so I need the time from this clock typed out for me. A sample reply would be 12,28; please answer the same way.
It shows 4,01
